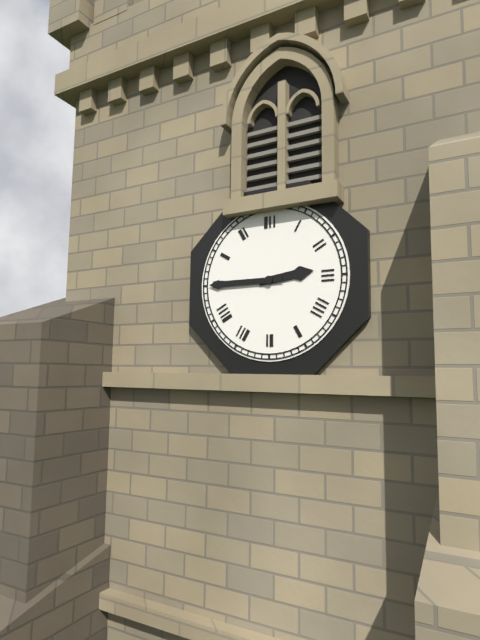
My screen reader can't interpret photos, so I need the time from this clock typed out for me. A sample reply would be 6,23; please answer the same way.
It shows 2,45
